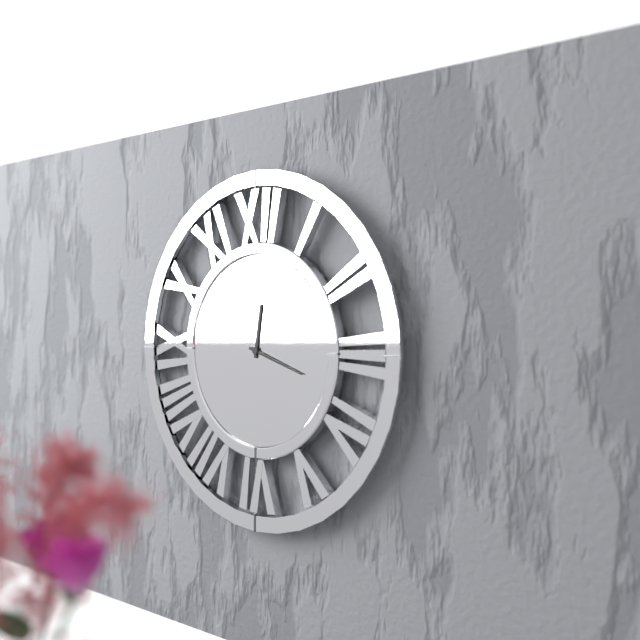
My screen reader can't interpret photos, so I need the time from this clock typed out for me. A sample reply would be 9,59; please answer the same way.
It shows 12,18
